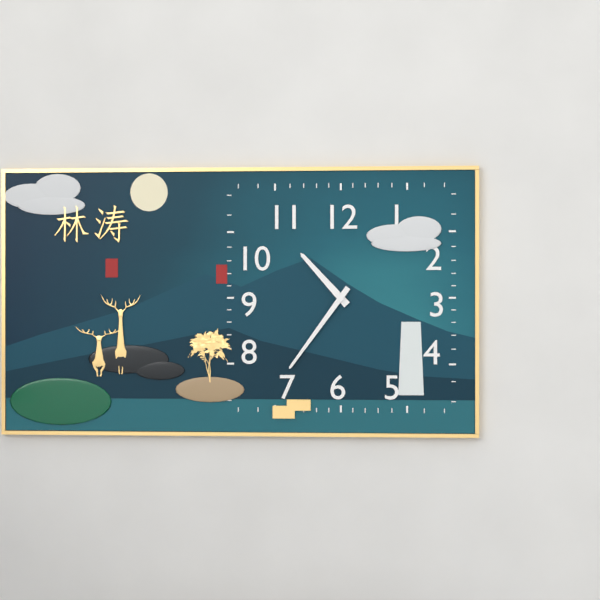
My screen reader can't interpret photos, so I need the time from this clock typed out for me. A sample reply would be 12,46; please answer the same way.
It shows 10,36
